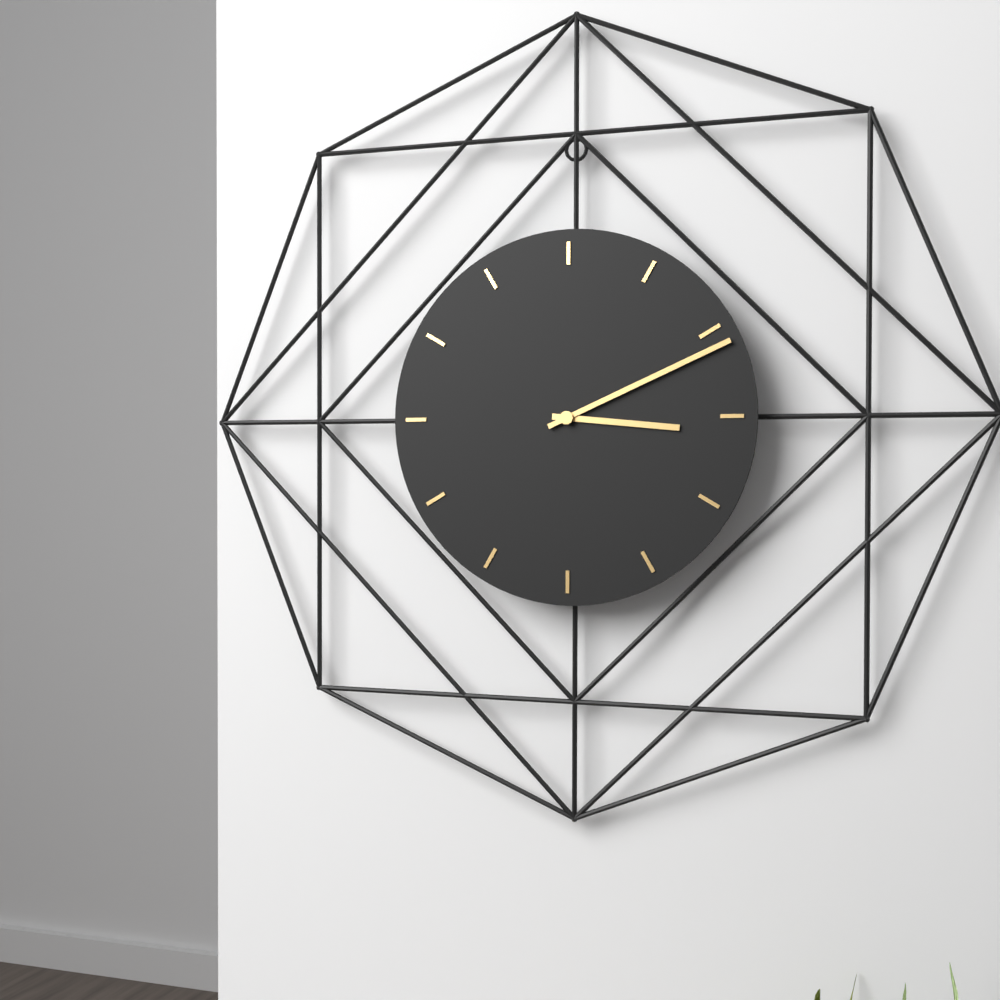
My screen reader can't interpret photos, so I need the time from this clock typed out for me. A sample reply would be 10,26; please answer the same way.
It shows 3,11
